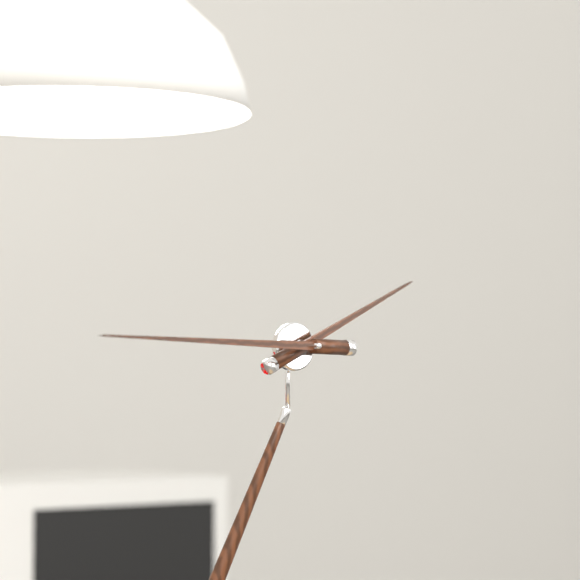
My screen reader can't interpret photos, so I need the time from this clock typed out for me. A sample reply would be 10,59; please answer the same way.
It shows 1,43
